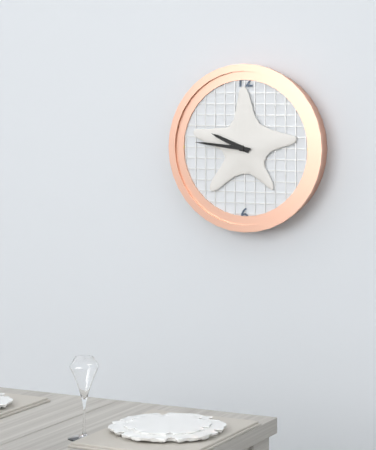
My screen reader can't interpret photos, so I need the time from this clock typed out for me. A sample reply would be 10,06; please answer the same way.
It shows 9,46
